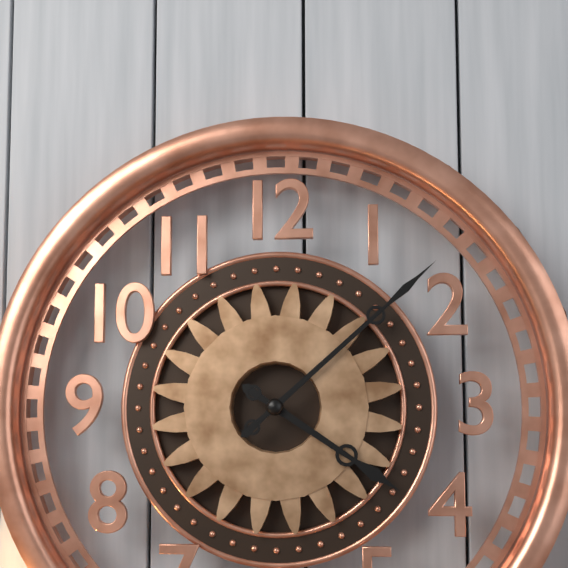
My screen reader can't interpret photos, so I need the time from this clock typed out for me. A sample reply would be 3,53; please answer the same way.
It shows 4,08
